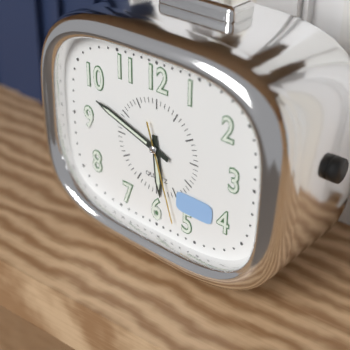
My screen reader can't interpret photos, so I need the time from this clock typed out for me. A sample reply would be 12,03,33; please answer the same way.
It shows 5,48,27
